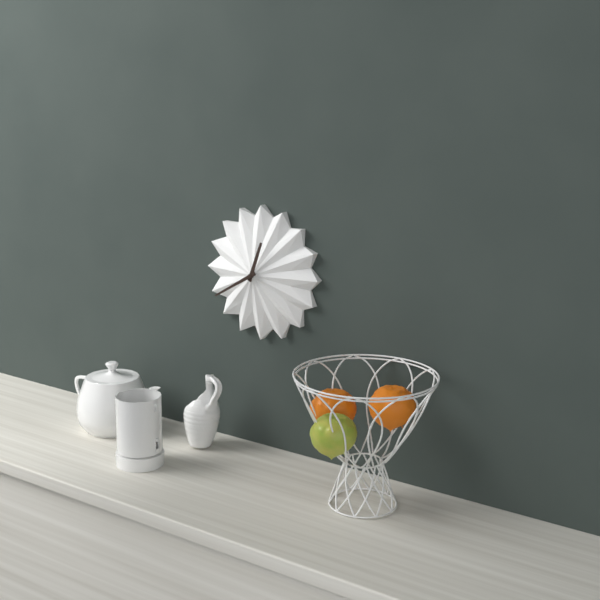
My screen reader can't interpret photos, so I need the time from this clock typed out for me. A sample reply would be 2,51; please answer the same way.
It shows 12,40
